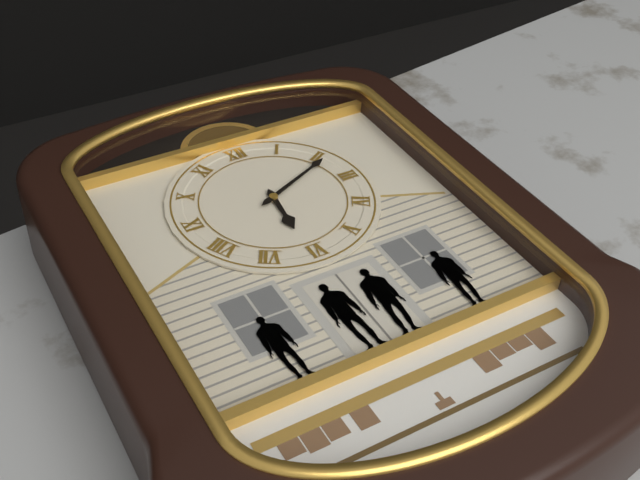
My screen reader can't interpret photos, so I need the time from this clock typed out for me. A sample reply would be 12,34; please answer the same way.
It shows 6,11
